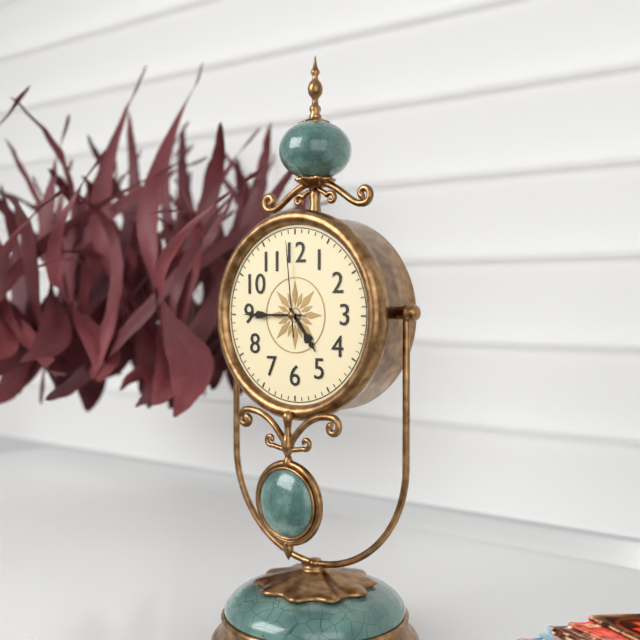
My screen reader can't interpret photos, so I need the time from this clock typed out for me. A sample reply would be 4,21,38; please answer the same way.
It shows 4,45,59
